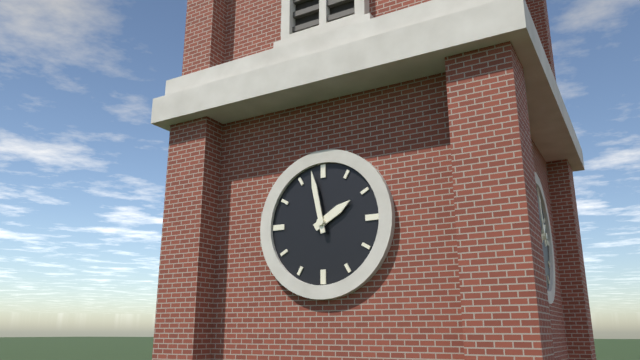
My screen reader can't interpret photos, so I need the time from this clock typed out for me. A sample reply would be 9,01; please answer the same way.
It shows 1,58
